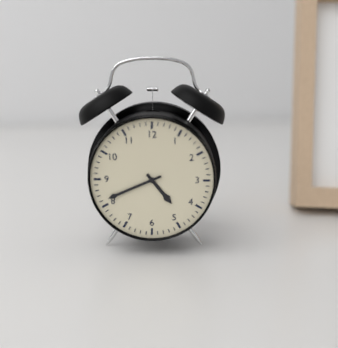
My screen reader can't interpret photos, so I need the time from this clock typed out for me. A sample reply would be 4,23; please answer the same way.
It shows 4,41
